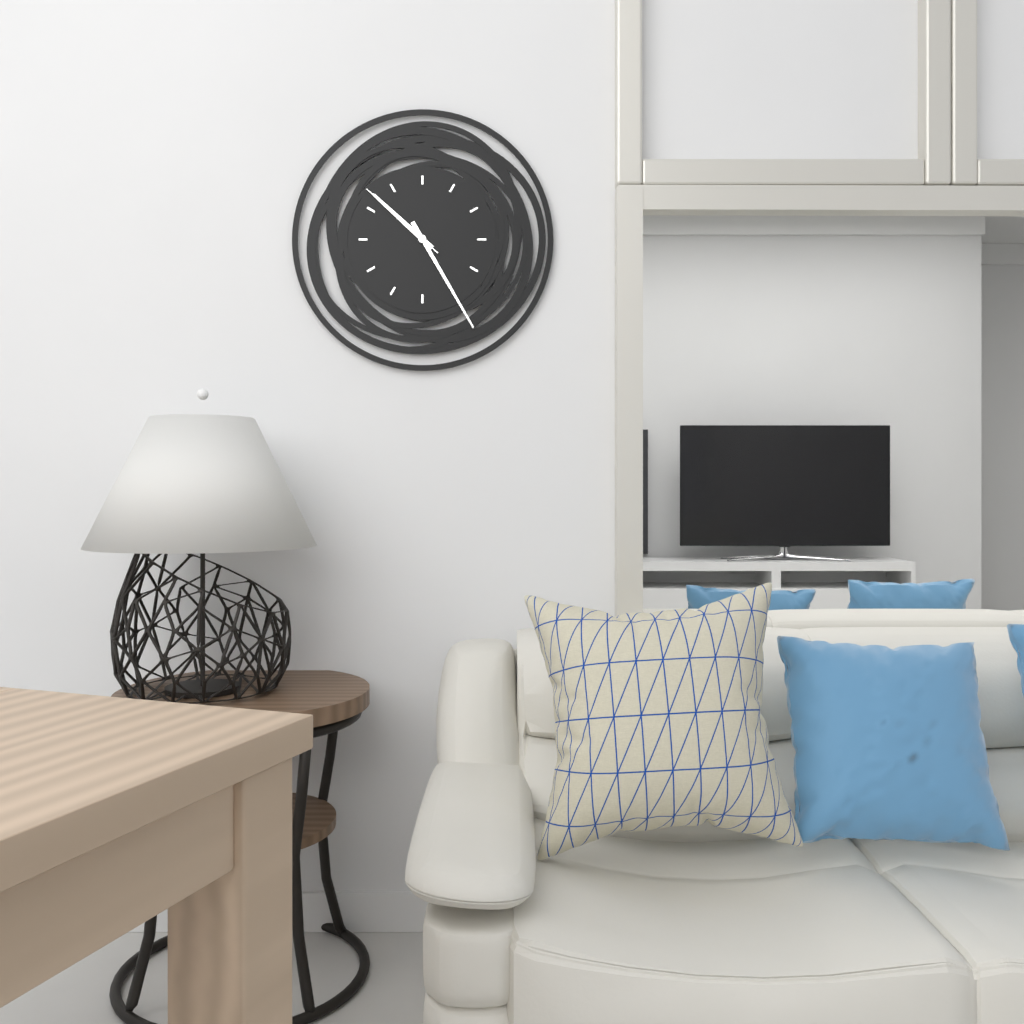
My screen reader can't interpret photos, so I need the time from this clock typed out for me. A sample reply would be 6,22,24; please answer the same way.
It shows 10,25,52
